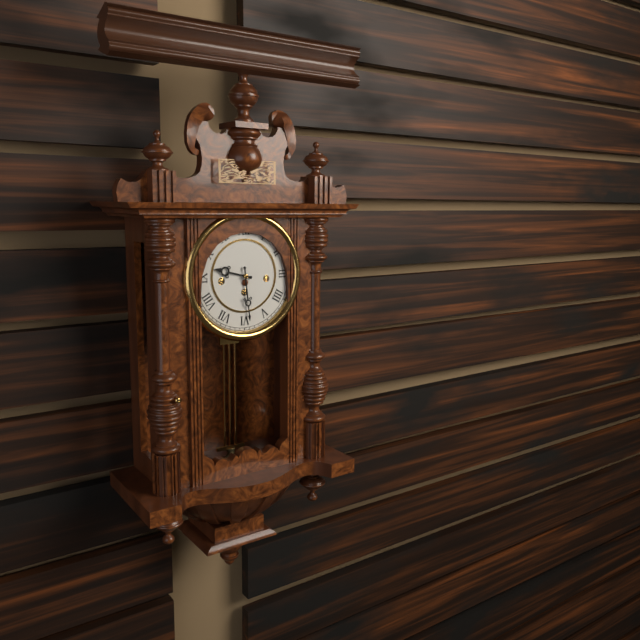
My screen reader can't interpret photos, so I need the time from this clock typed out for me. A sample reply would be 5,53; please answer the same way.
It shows 9,29
